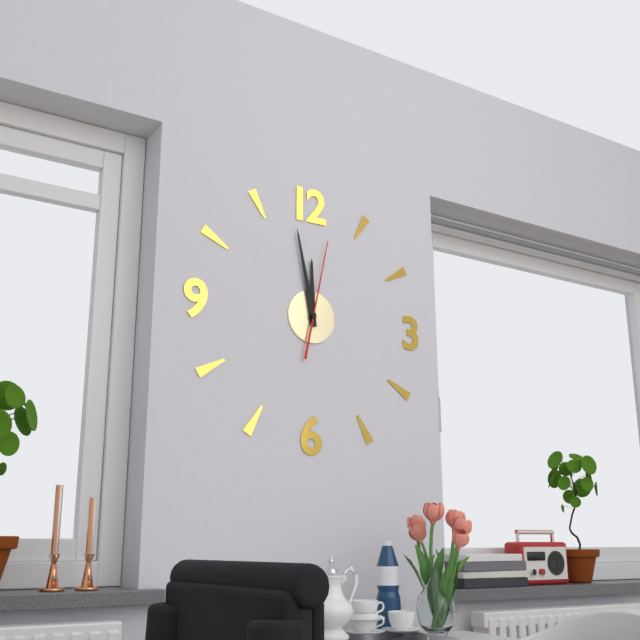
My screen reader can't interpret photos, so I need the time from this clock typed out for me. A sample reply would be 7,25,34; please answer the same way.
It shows 11,58,02
